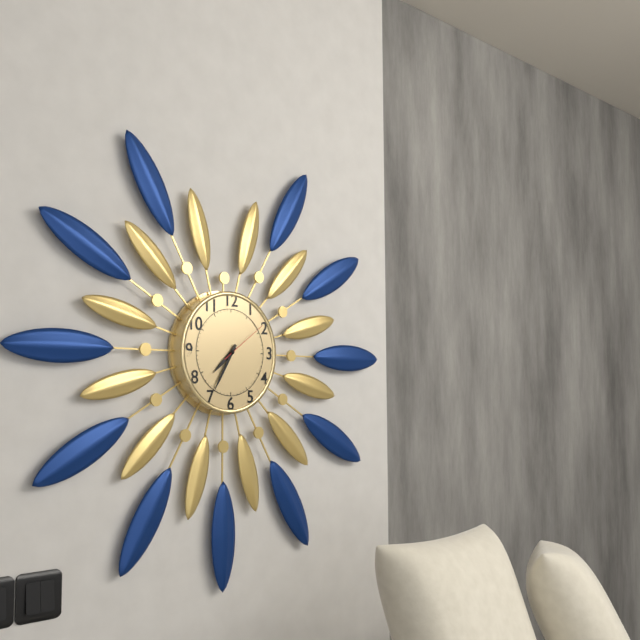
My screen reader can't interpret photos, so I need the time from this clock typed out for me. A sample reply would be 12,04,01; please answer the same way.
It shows 7,35,09
